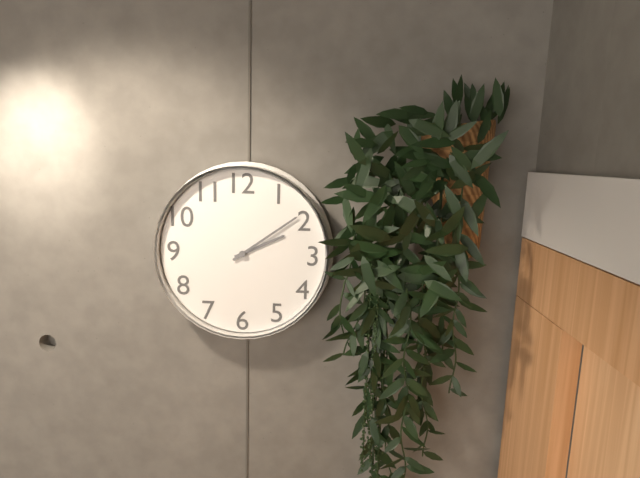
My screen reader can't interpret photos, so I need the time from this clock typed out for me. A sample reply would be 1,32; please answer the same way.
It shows 2,09
